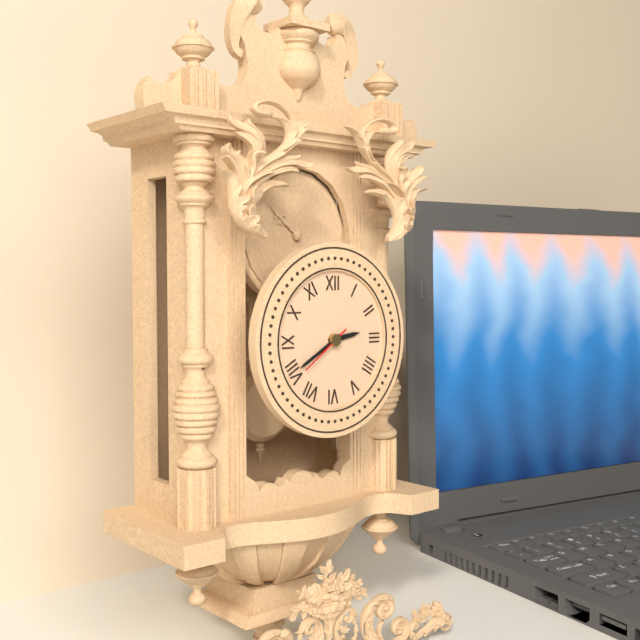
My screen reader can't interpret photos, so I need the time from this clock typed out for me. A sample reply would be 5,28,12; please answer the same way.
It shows 2,40,39
